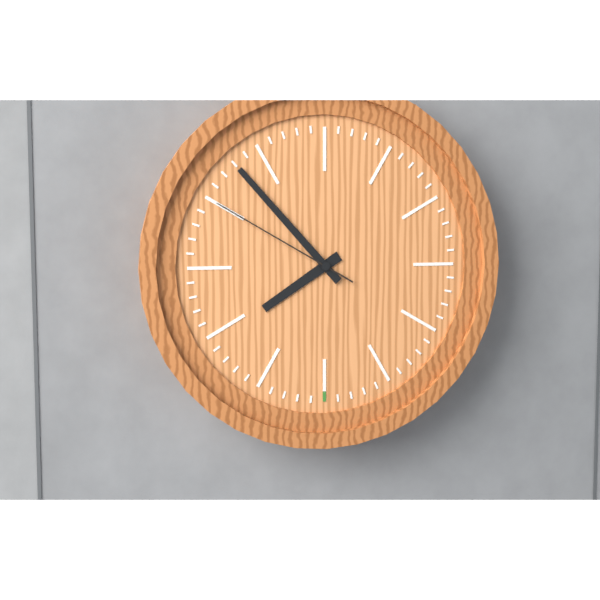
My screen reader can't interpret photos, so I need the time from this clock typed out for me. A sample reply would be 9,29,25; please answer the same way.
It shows 7,53,50
